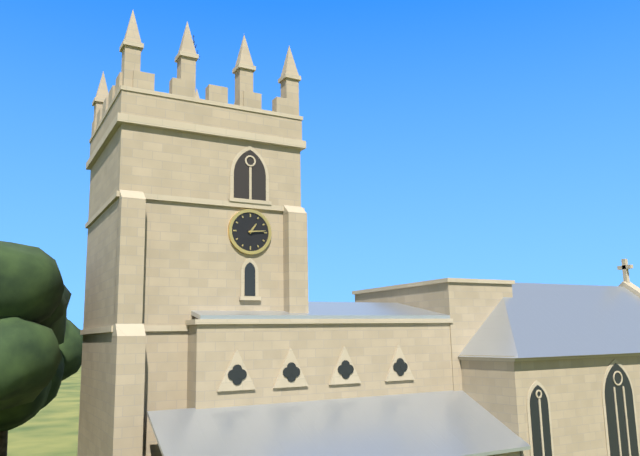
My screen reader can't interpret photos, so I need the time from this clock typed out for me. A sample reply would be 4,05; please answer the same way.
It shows 1,14
